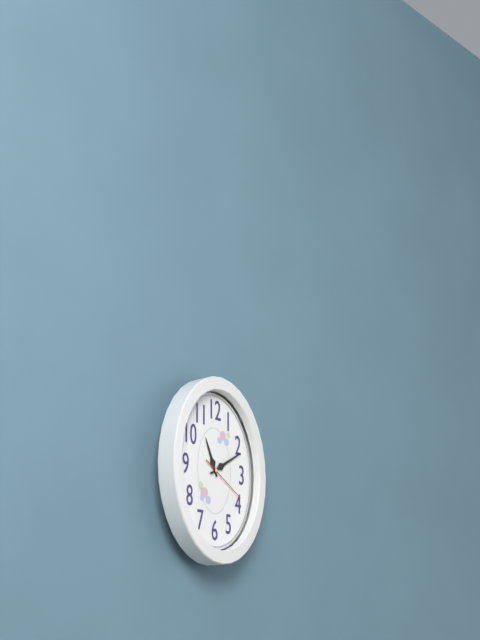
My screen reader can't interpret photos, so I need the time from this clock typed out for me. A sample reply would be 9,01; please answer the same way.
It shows 11,10
